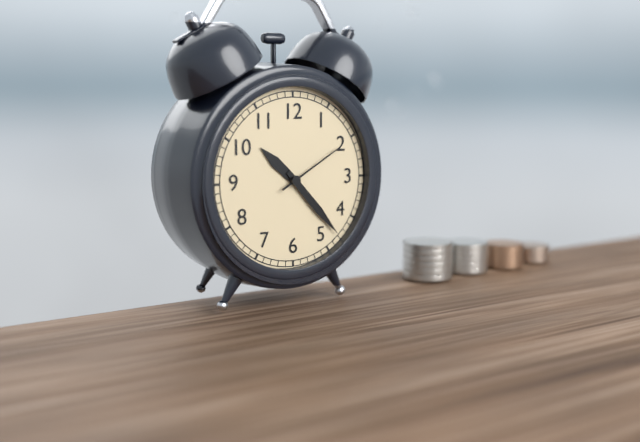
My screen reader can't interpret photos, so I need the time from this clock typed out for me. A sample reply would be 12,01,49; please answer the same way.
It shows 10,23,10
